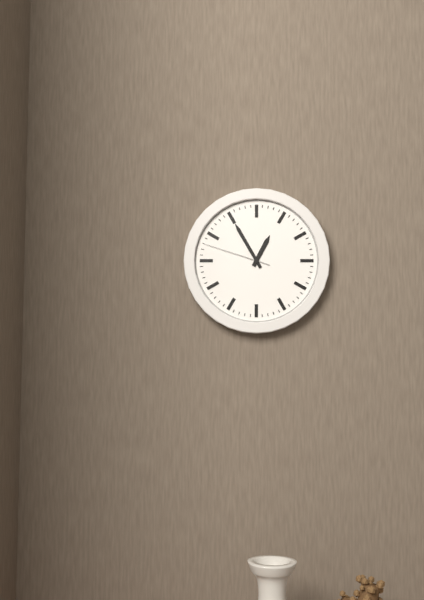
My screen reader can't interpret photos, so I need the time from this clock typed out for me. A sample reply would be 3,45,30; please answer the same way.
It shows 12,55,48
